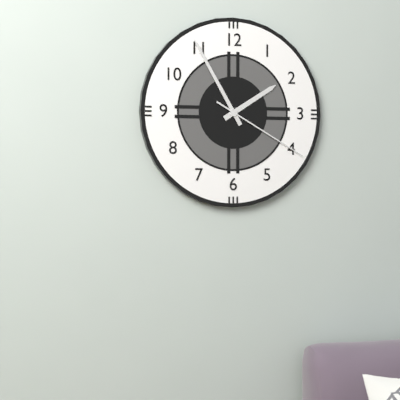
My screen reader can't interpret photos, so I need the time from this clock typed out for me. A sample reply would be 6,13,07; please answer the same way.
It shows 1,55,20
